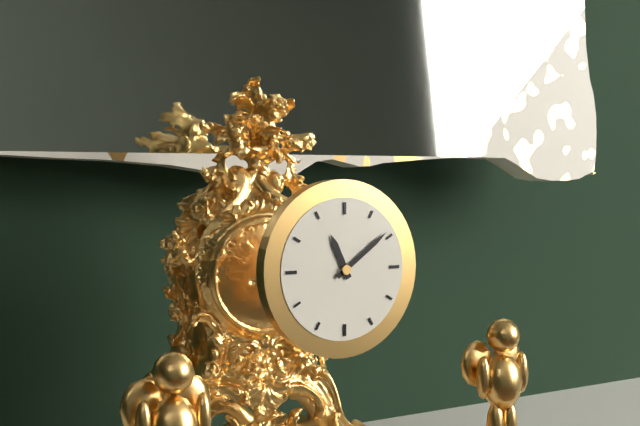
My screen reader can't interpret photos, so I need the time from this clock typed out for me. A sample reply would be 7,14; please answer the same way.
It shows 11,09
